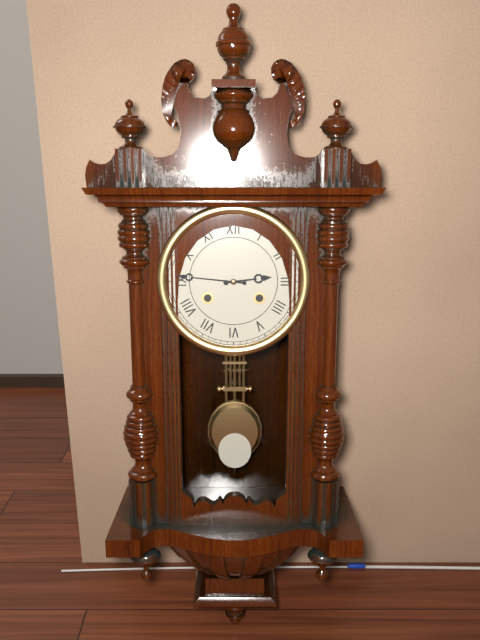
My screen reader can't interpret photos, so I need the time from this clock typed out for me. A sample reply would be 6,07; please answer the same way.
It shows 2,46
